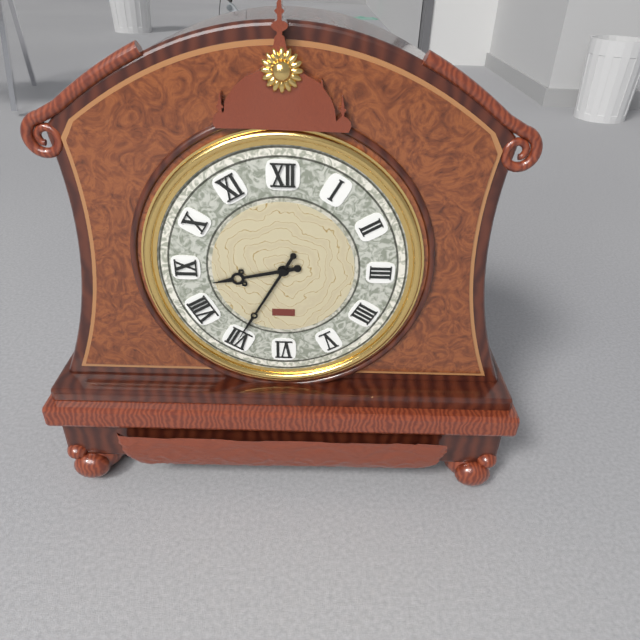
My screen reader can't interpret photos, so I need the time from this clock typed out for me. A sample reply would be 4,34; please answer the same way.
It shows 8,35
